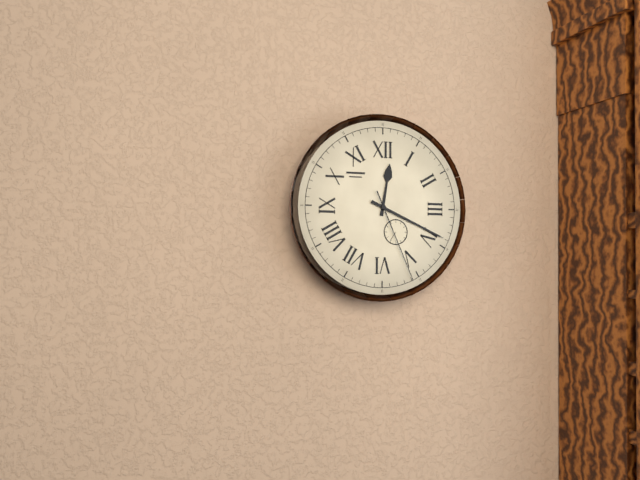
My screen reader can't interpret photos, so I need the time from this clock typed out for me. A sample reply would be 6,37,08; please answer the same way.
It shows 12,19,26
